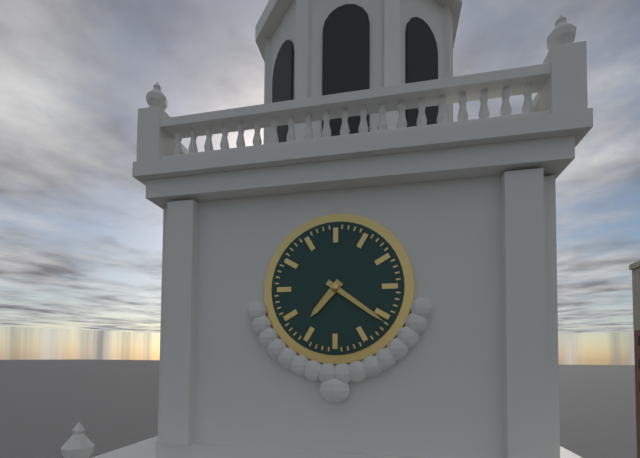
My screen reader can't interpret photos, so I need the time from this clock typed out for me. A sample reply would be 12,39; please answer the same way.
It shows 7,21
